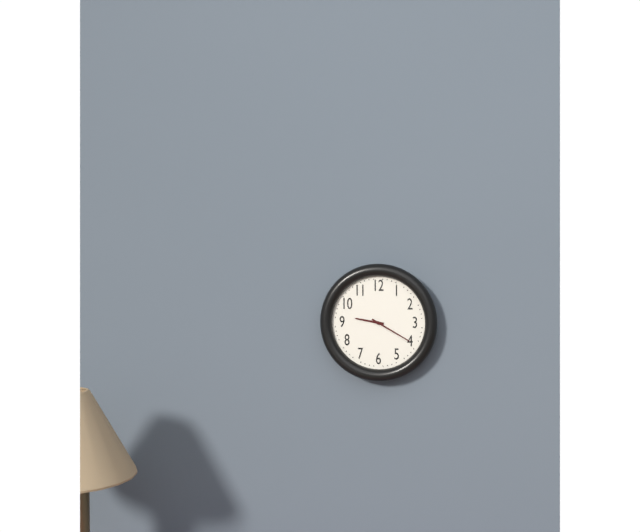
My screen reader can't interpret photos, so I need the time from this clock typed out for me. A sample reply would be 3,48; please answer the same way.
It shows 9,20
